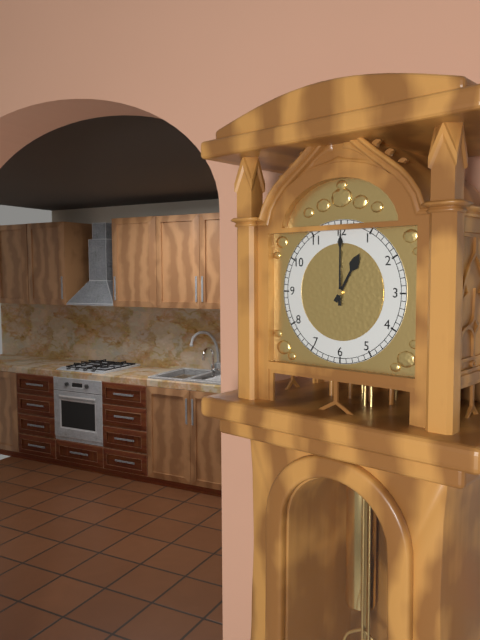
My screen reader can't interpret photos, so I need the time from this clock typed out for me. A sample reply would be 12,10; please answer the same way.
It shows 1,00
